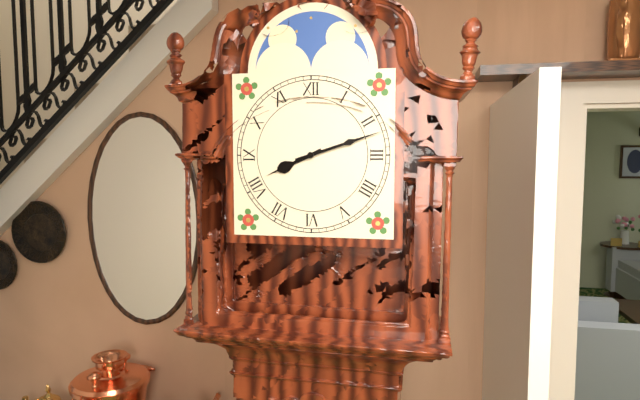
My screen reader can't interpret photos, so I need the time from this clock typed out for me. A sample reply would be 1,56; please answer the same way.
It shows 8,12
